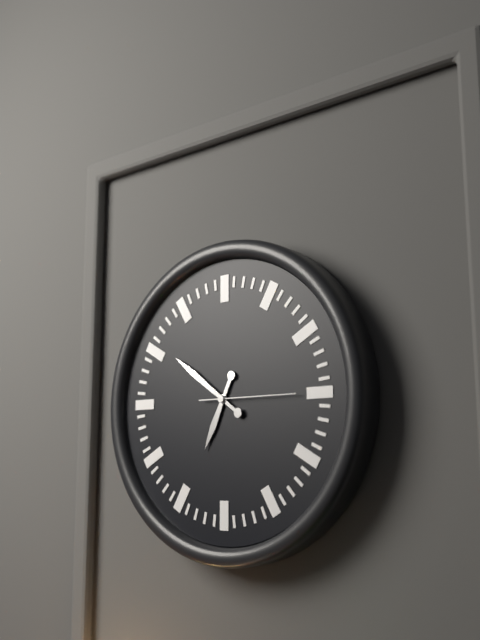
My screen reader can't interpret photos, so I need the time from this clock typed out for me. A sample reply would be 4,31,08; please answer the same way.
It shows 6,51,15
